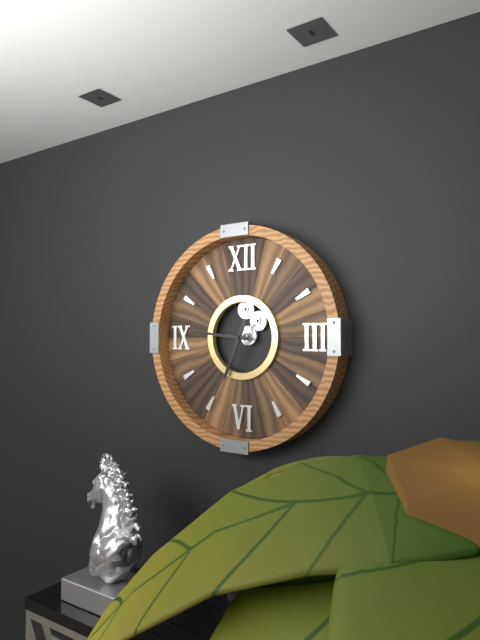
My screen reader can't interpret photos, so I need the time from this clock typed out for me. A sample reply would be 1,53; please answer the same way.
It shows 6,46
